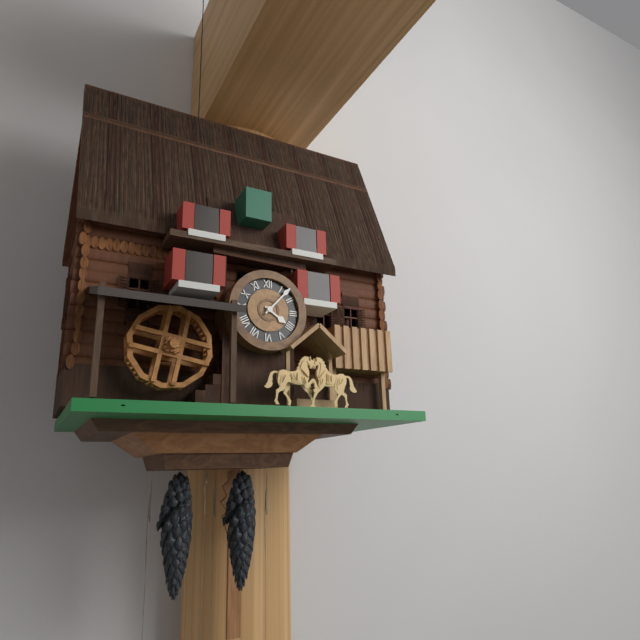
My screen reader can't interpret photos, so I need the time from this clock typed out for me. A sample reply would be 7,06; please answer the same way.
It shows 4,07
